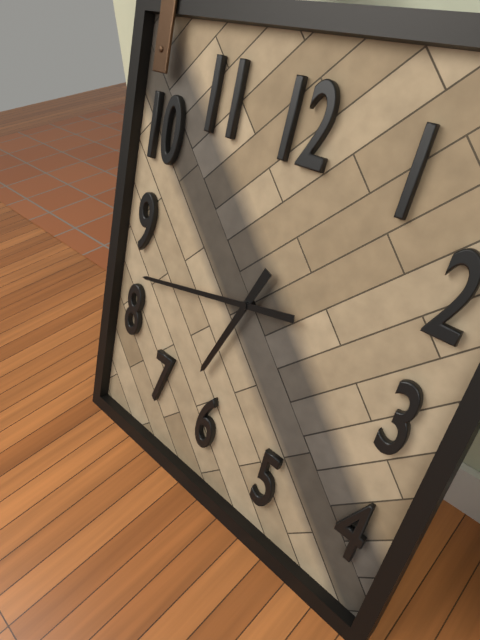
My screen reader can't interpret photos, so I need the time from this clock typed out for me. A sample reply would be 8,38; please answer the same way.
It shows 6,43
